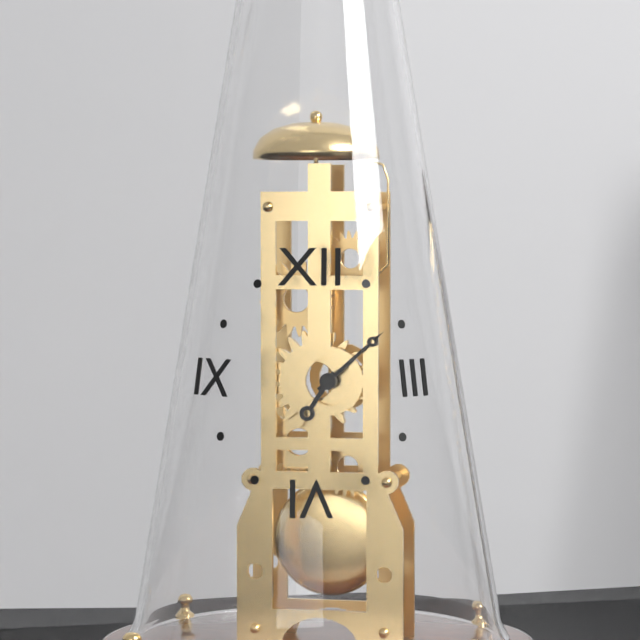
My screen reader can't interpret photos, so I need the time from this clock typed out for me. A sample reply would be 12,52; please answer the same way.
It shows 7,08
